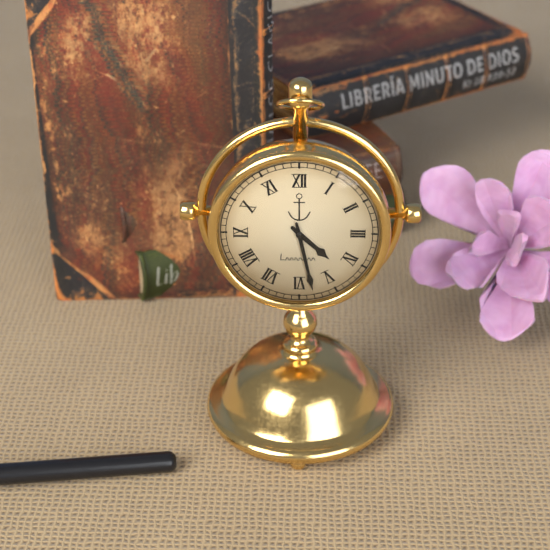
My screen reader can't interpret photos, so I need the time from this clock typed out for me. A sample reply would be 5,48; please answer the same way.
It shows 4,28
